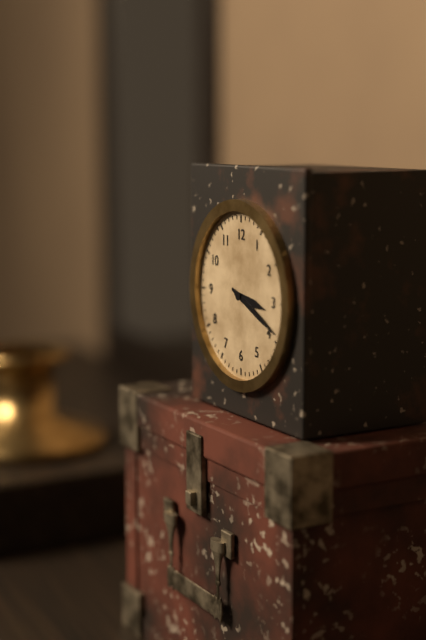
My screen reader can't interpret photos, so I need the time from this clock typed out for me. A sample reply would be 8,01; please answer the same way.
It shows 3,19
